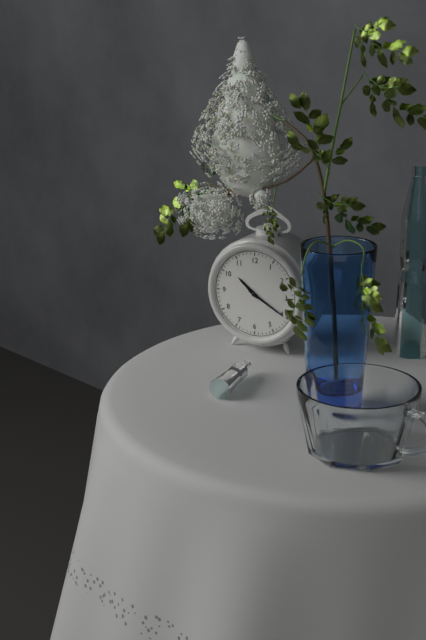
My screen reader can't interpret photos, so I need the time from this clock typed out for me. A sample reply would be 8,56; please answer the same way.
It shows 10,20
